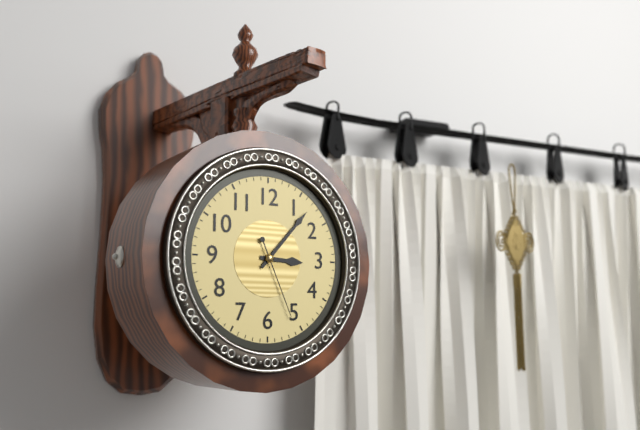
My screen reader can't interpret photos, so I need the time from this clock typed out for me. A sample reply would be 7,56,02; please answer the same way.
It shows 3,07,26
